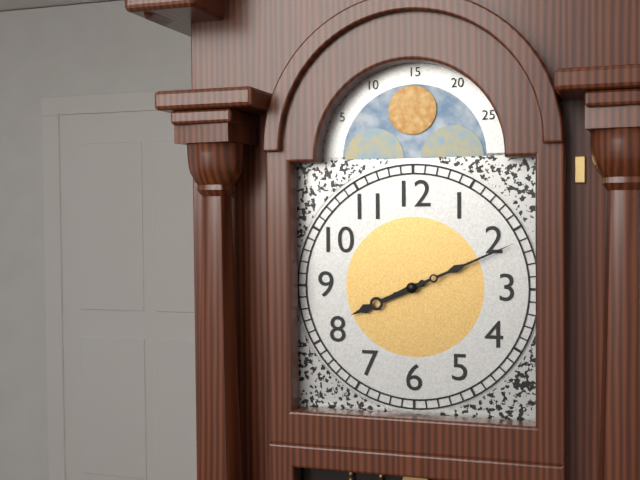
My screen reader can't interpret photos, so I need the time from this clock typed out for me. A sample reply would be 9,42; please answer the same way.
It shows 8,11
